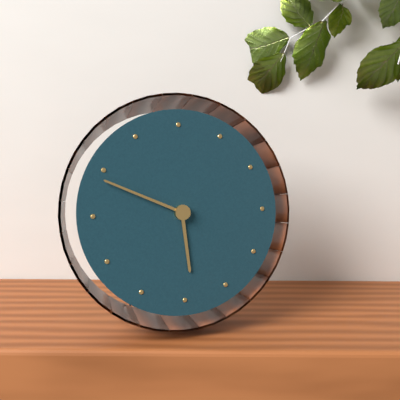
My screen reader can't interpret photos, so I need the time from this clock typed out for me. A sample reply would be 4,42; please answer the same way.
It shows 5,49
